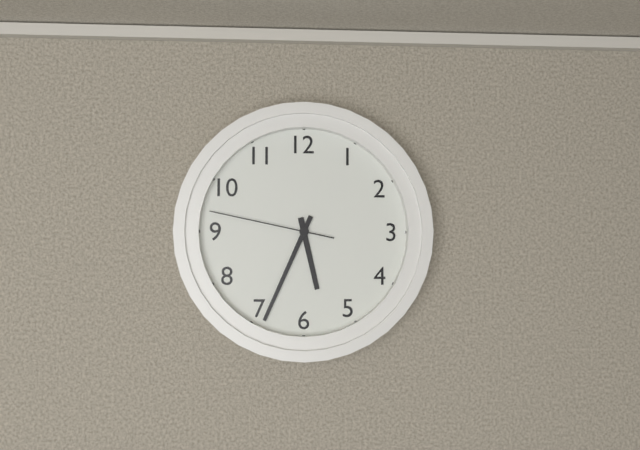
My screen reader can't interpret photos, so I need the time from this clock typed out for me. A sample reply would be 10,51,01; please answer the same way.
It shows 5,34,47
